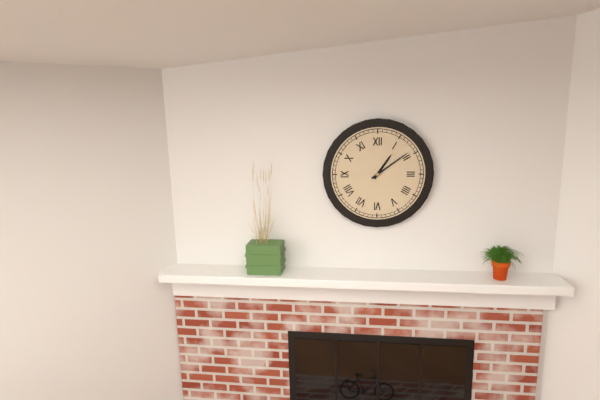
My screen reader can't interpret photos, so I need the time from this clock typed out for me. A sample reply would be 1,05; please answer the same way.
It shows 1,09
